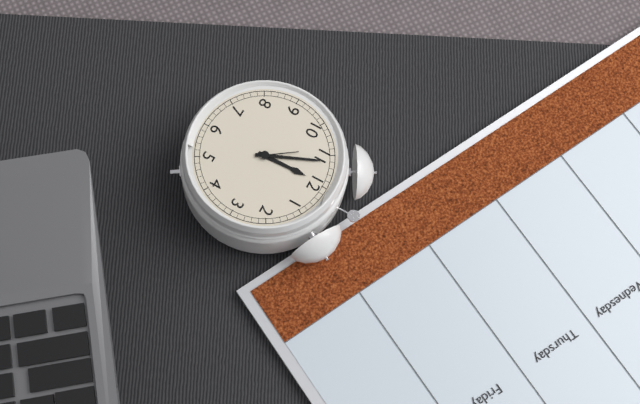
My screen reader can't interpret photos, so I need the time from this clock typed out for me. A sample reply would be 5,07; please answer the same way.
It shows 11,56
